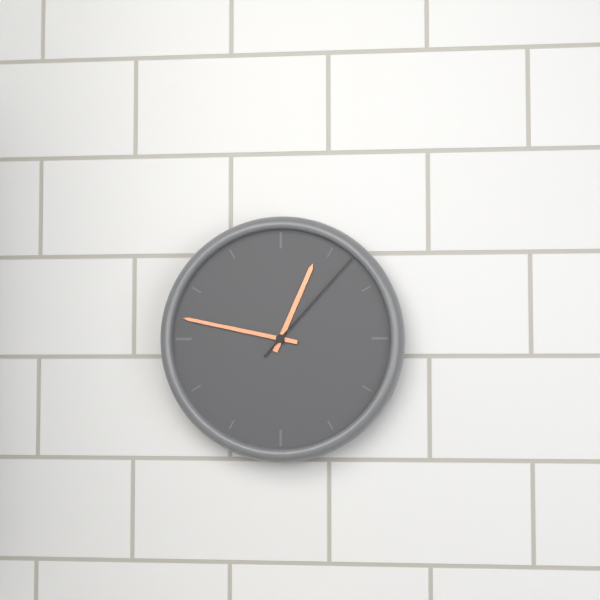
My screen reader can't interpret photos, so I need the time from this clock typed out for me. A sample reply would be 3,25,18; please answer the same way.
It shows 12,47,07
